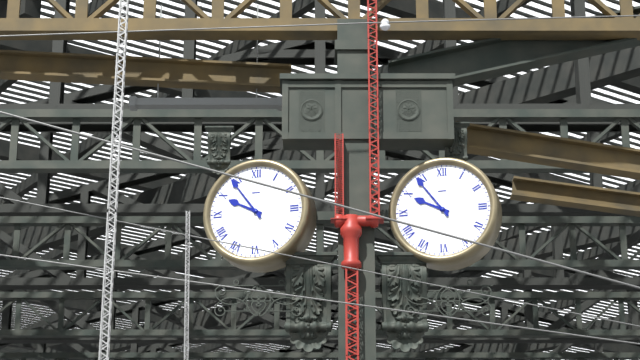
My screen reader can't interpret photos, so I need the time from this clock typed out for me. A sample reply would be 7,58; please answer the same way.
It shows 9,54
